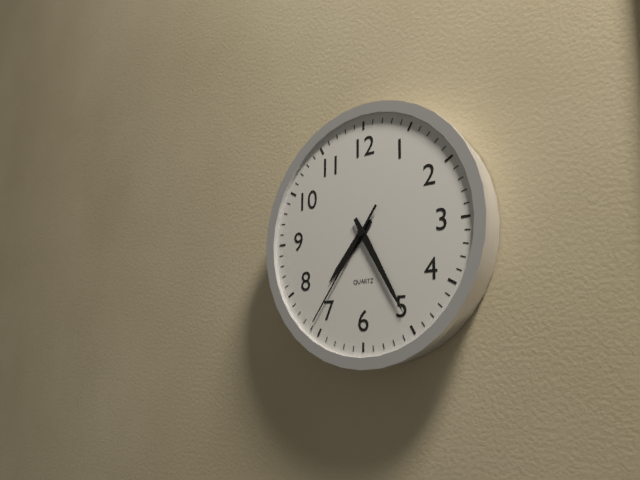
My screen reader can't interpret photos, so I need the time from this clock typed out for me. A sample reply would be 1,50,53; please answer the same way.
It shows 7,25,36
